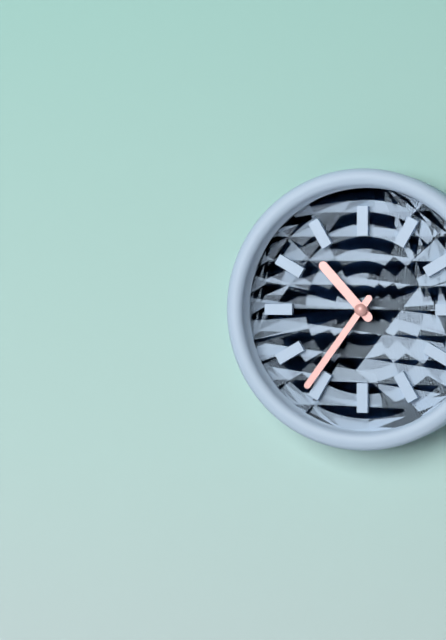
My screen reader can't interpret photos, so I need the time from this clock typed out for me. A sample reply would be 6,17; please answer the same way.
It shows 10,36
